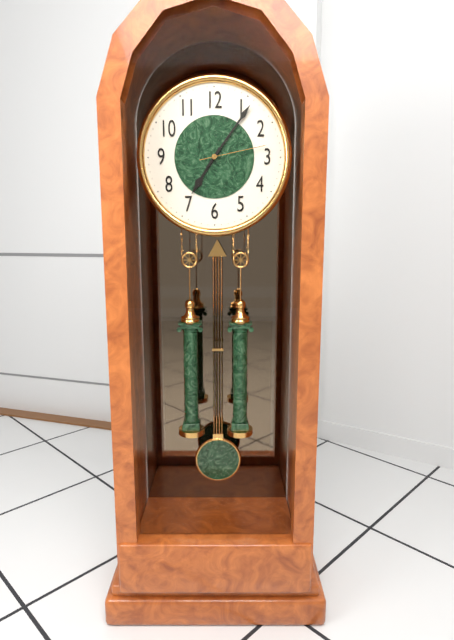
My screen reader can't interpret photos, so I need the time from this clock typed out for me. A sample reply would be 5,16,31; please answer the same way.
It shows 7,06,13
